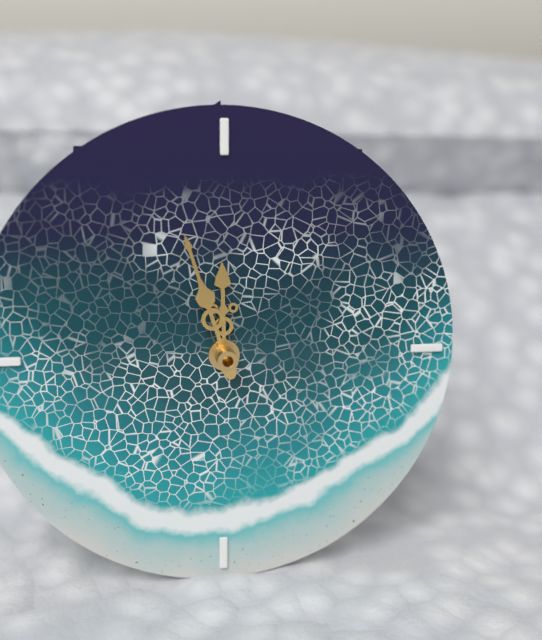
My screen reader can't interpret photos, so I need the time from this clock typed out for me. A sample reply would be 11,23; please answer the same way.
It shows 11,57
